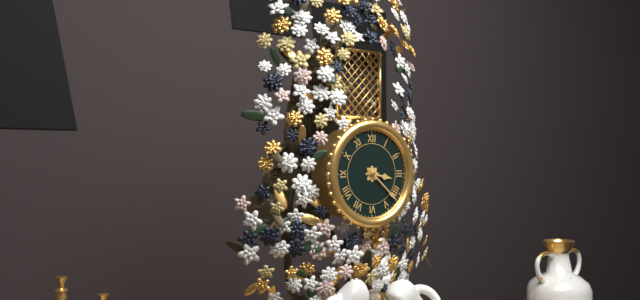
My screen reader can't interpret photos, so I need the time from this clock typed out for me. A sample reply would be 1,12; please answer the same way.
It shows 3,22
